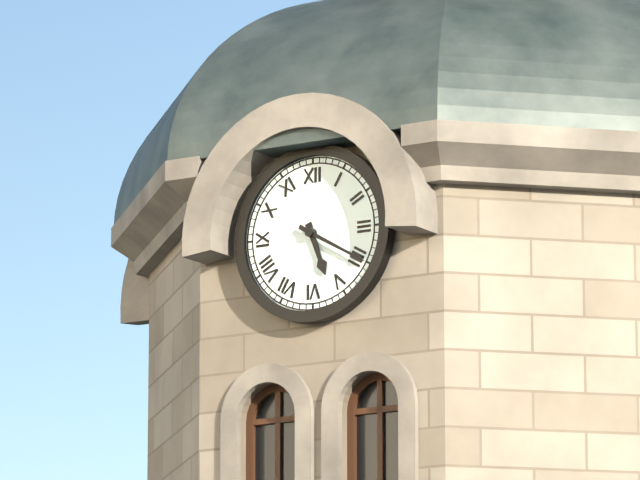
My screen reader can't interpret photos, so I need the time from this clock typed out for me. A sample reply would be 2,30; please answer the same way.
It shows 5,20
